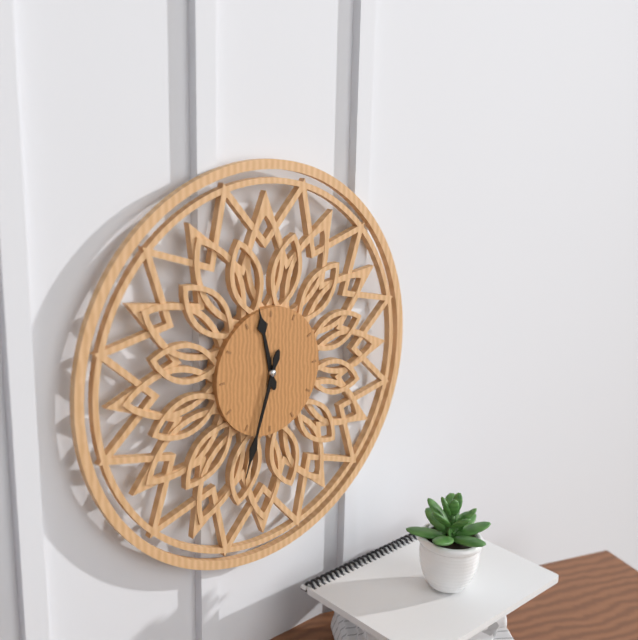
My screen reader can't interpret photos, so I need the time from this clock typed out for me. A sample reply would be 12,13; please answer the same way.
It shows 11,33
